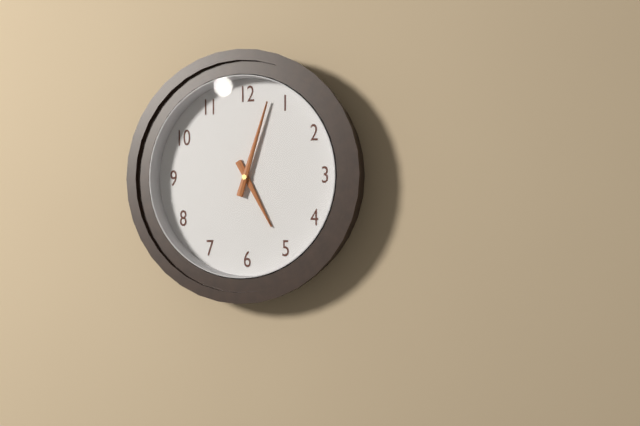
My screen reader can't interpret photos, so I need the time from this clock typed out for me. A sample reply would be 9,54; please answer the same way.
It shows 5,03
